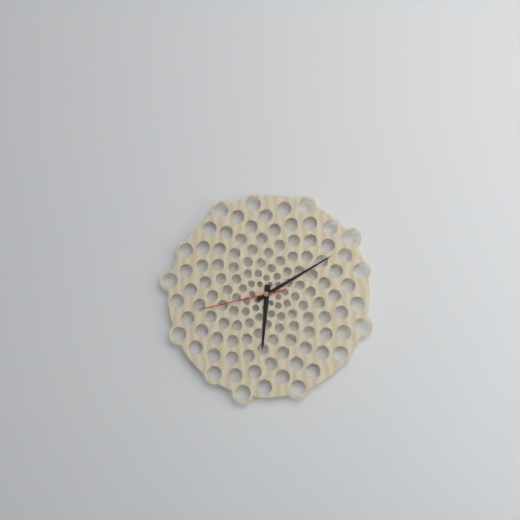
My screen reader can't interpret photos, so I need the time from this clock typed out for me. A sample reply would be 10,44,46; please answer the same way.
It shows 6,10,43
